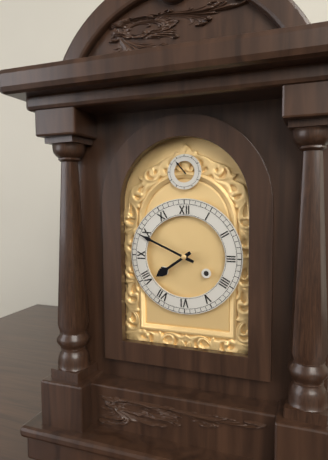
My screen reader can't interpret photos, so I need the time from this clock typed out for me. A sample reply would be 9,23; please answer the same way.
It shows 7,49
